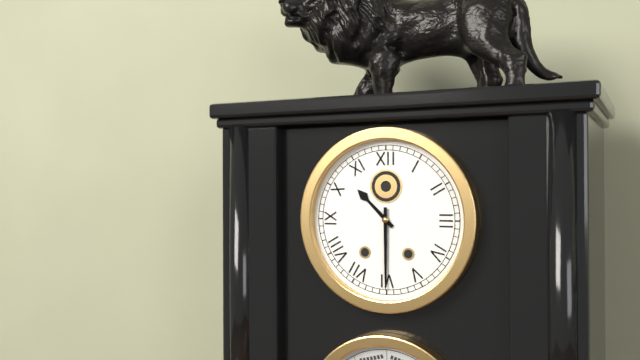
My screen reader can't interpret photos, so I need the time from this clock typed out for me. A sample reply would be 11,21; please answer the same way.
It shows 10,30
